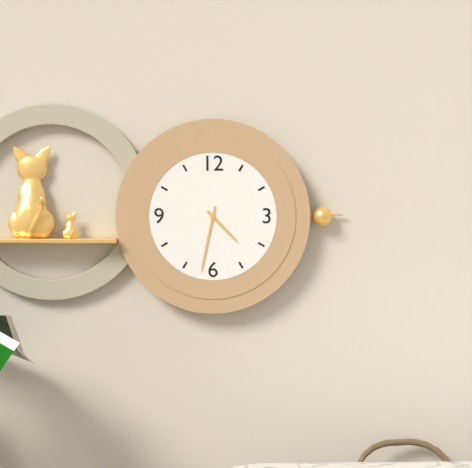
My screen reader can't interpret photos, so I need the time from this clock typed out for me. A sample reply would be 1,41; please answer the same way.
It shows 4,32
